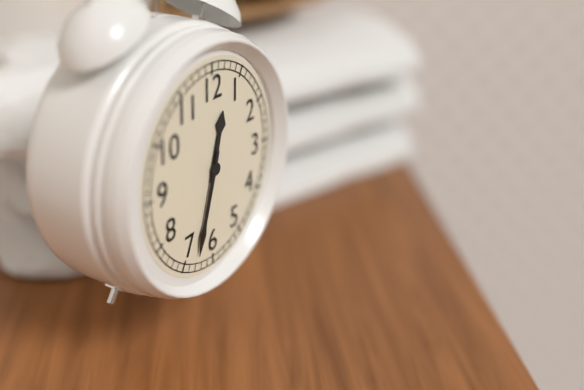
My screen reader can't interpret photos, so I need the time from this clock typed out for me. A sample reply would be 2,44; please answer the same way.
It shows 12,33
